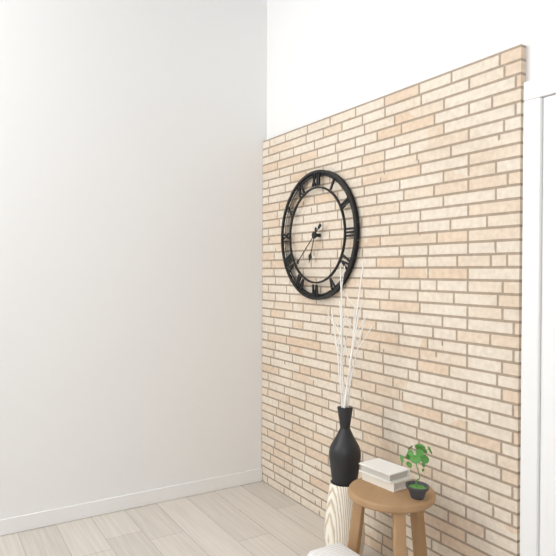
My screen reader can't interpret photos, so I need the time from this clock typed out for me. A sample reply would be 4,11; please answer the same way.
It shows 6,38
